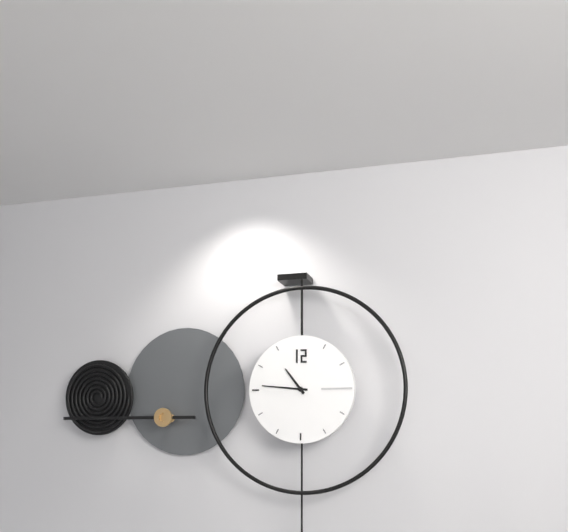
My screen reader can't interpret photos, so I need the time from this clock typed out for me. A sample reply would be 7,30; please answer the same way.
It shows 10,46
